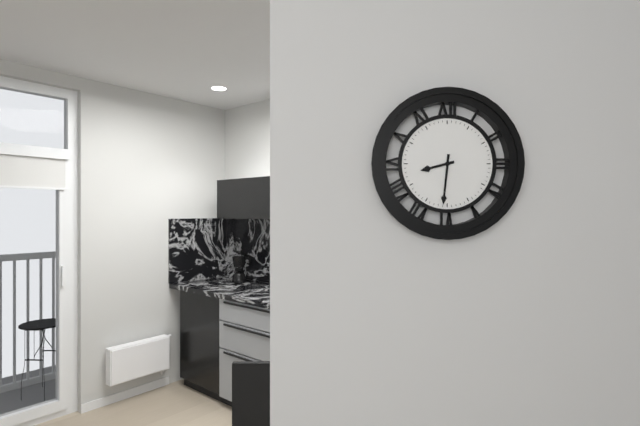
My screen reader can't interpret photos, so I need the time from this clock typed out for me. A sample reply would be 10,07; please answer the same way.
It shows 8,31
